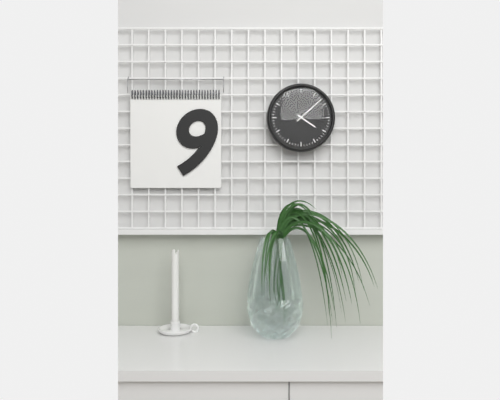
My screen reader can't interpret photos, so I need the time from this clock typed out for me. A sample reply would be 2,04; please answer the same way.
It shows 4,08
